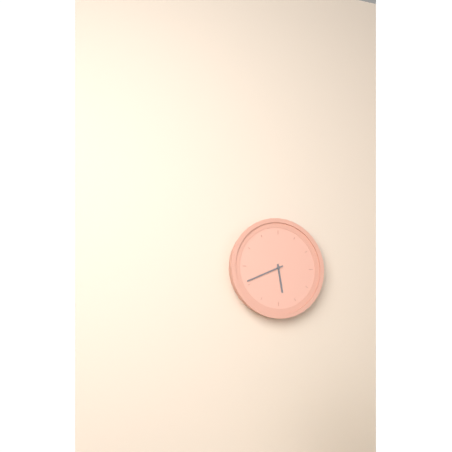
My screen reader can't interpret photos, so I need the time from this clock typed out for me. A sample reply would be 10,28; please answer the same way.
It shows 5,41
